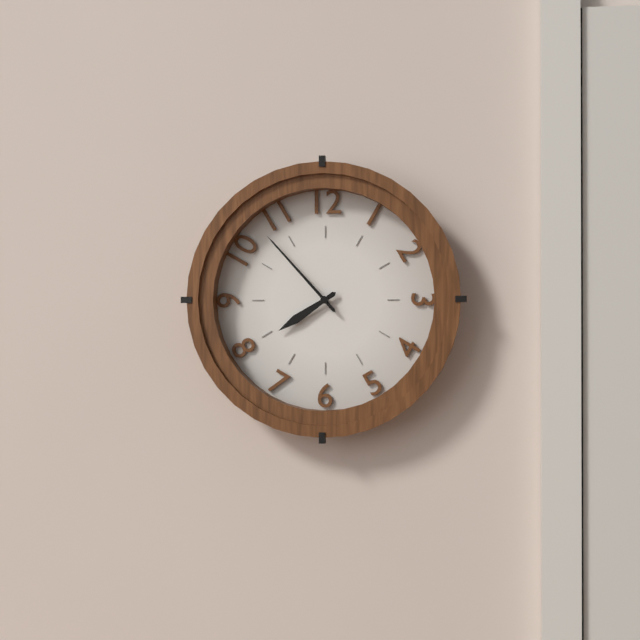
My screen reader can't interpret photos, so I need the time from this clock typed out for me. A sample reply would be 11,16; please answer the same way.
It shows 7,53
